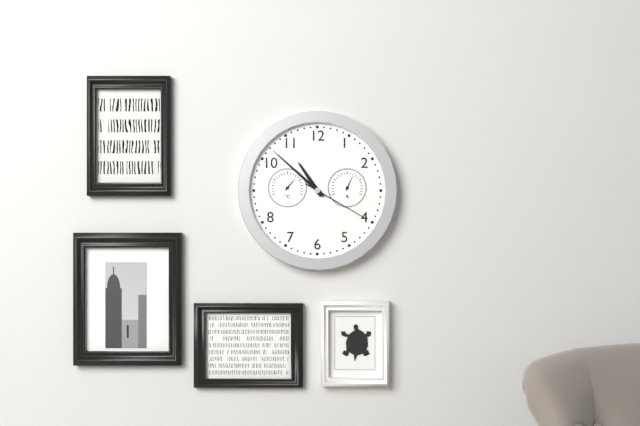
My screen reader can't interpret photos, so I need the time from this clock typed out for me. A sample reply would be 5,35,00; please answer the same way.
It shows 10,52,20
